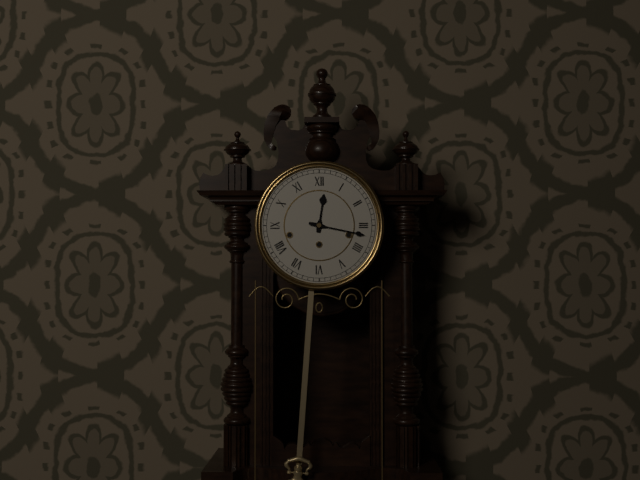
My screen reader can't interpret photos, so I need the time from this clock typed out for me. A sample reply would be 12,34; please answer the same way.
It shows 12,17
